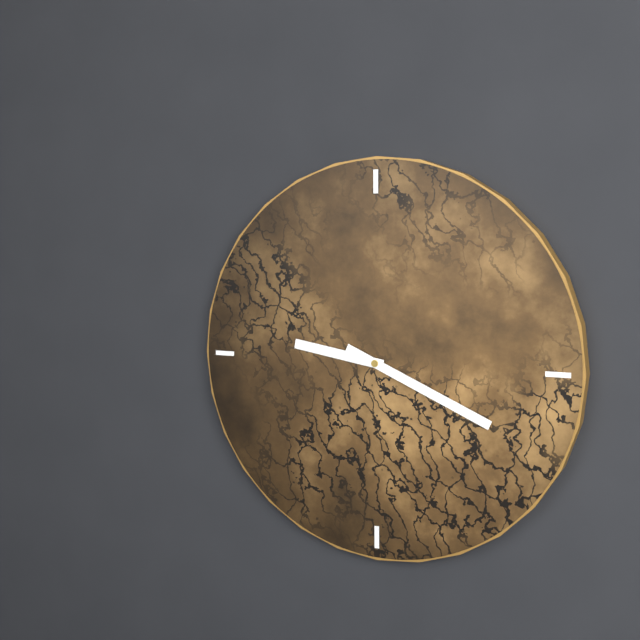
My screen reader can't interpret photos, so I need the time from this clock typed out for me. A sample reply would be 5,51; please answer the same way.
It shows 9,19
